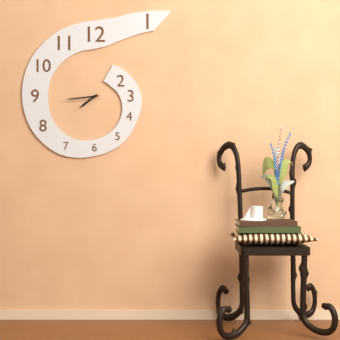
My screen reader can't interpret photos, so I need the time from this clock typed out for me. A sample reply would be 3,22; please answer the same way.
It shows 7,44
